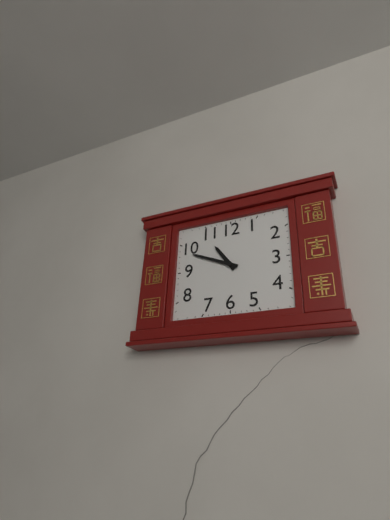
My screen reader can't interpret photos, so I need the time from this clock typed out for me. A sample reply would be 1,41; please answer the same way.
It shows 10,49
